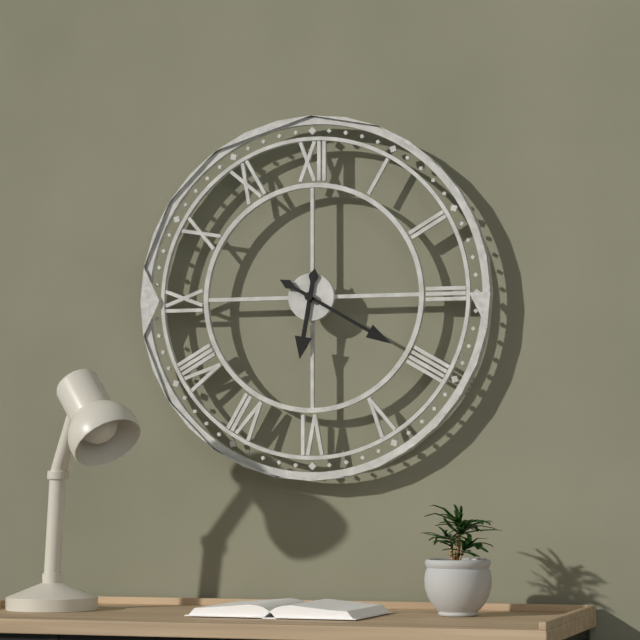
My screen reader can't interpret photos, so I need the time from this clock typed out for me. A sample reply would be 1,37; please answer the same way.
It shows 6,20
